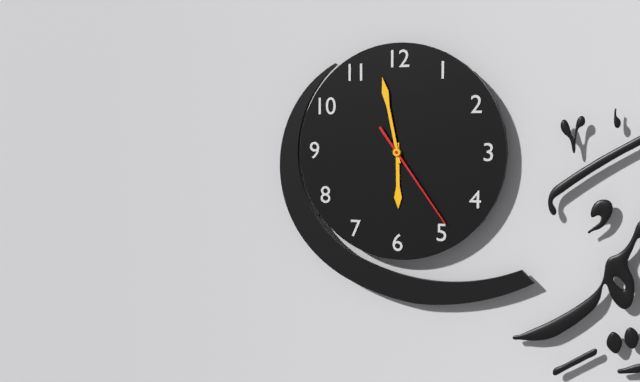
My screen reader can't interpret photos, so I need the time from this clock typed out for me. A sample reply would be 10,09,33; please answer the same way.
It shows 5,58,24
